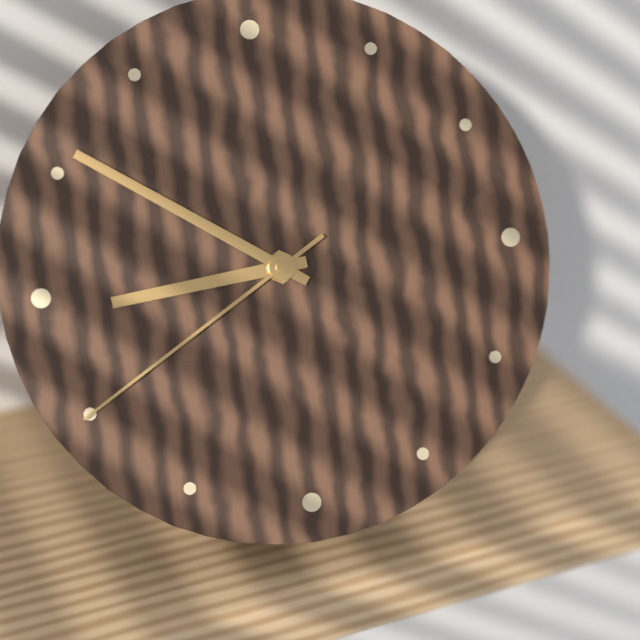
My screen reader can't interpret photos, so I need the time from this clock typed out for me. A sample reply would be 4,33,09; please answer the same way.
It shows 8,51,40
